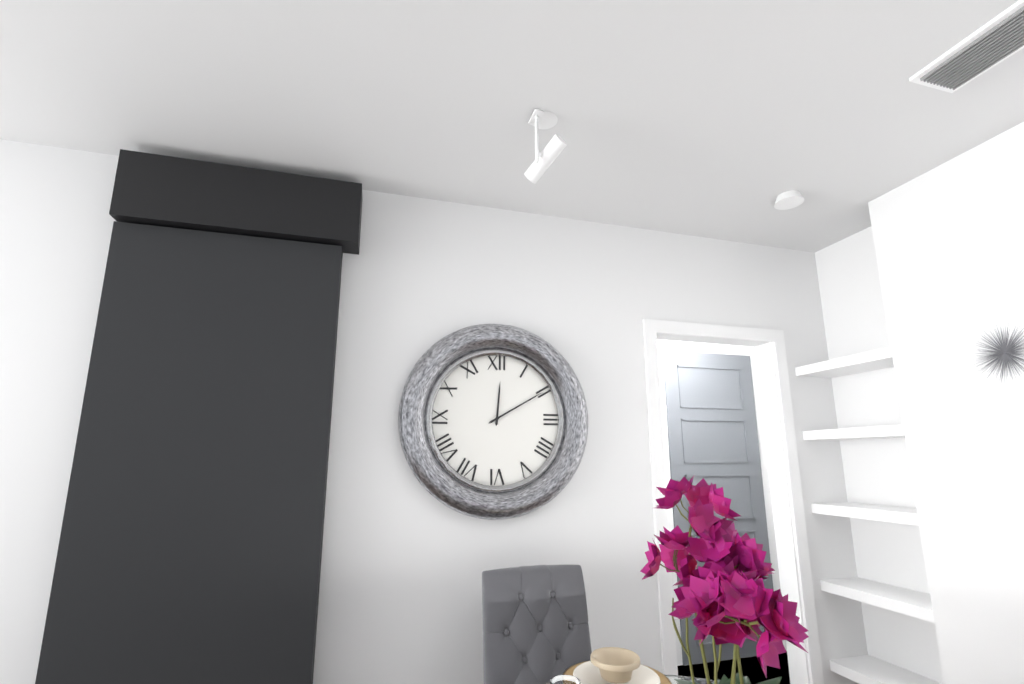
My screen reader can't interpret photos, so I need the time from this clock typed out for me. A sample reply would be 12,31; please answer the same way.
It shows 12,10
